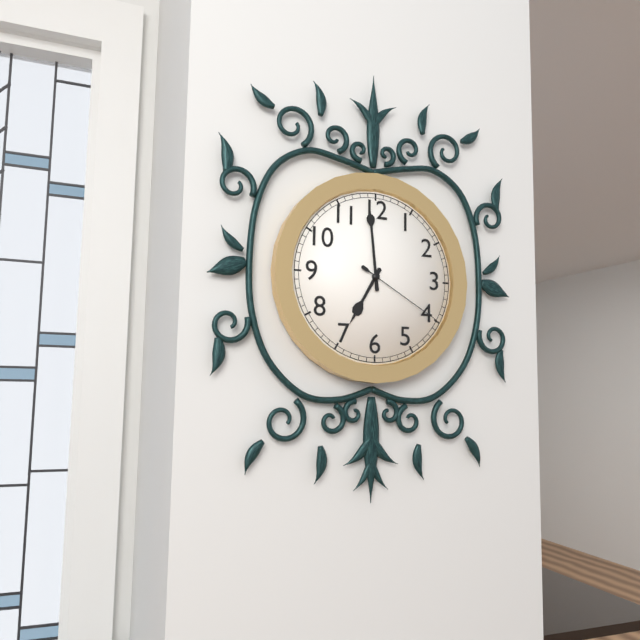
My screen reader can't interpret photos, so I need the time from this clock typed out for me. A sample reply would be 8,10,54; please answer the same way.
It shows 6,59,20
